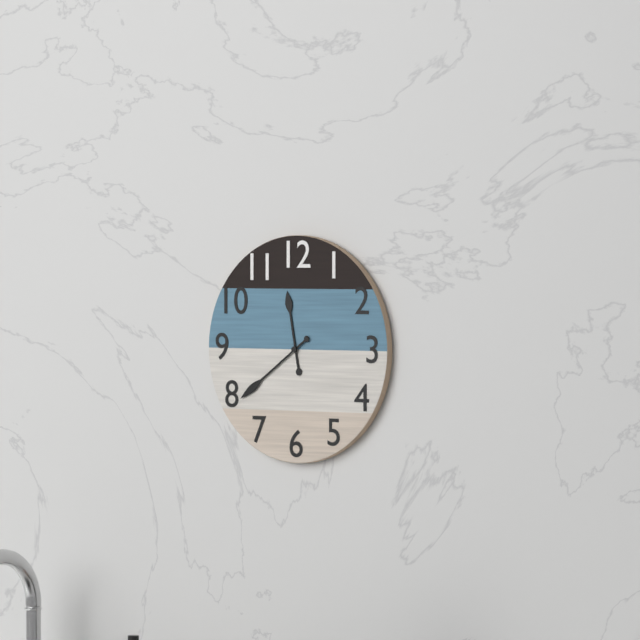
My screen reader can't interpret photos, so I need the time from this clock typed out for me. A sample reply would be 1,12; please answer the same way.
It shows 11,39
